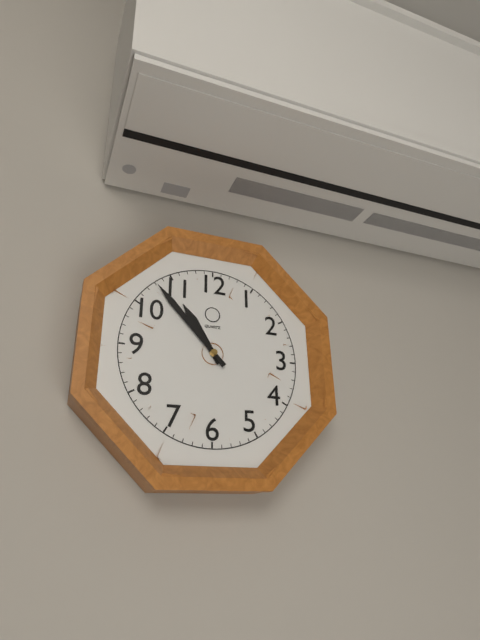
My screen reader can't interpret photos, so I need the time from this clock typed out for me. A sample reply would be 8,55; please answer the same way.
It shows 10,53
